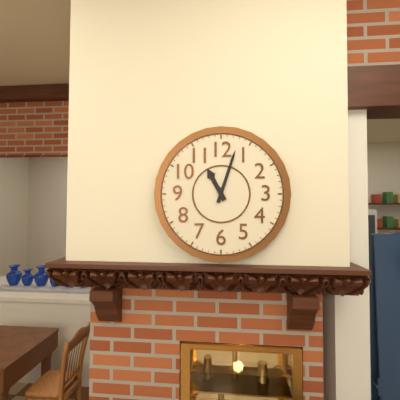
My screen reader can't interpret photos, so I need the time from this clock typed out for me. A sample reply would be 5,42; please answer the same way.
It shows 11,03
